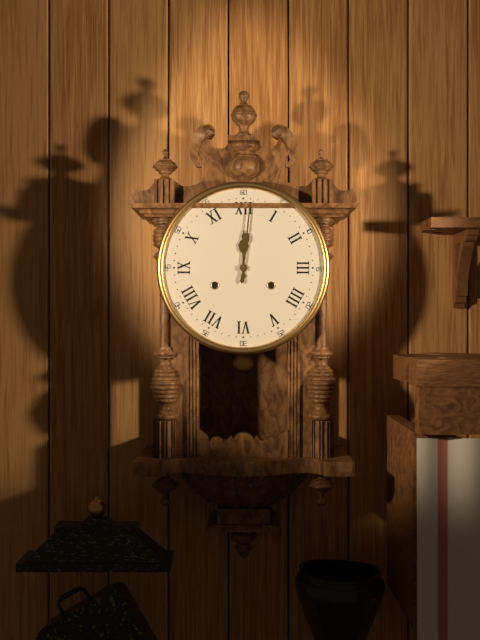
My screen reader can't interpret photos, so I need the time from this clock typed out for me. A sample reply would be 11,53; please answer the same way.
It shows 12,01
